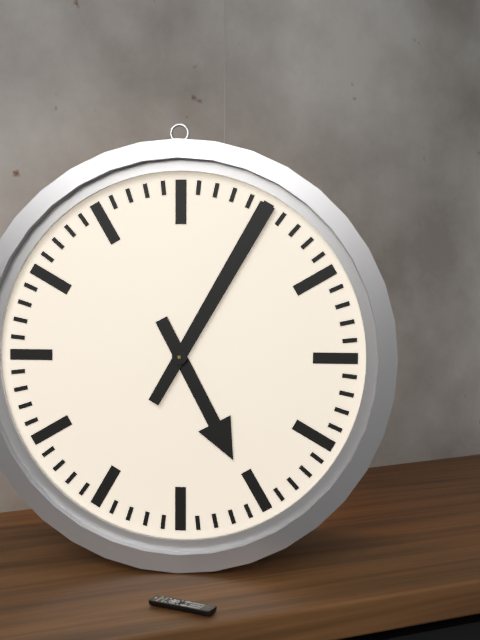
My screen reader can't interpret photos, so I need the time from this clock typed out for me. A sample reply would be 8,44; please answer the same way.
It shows 5,05
